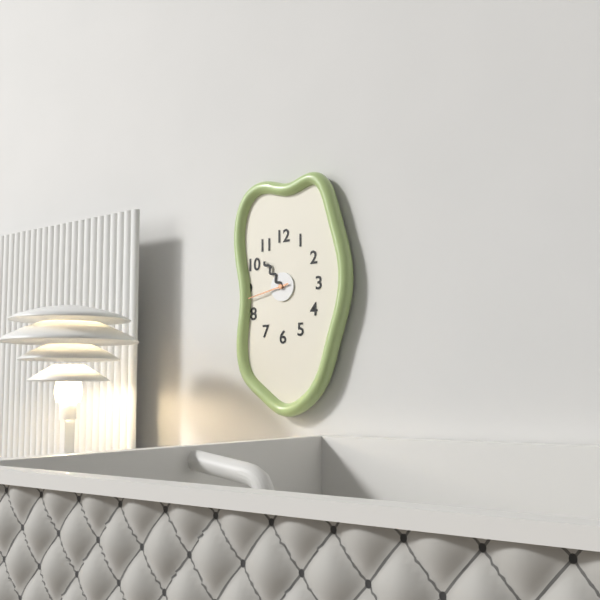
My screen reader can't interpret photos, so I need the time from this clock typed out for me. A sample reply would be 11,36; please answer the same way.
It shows 10,43
